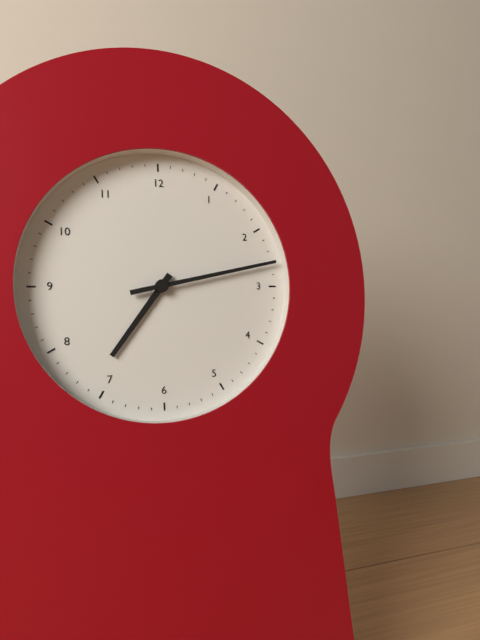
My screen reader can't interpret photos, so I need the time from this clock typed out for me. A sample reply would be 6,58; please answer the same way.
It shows 7,13
